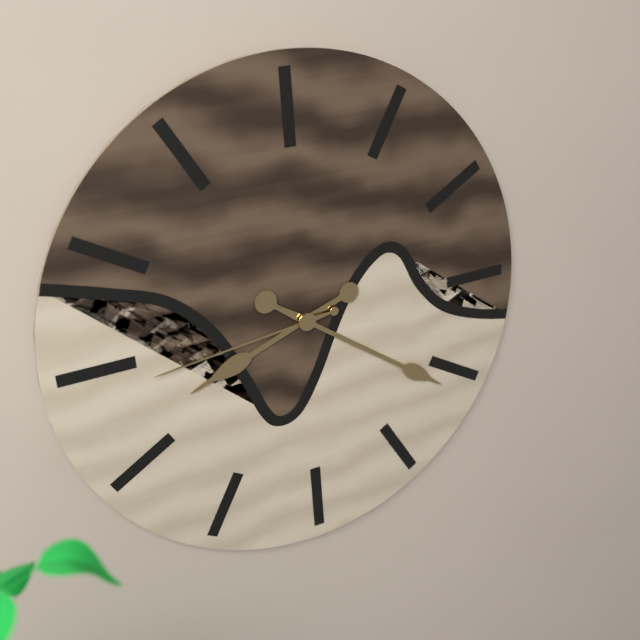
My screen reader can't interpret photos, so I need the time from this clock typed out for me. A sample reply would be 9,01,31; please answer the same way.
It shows 8,21,44
